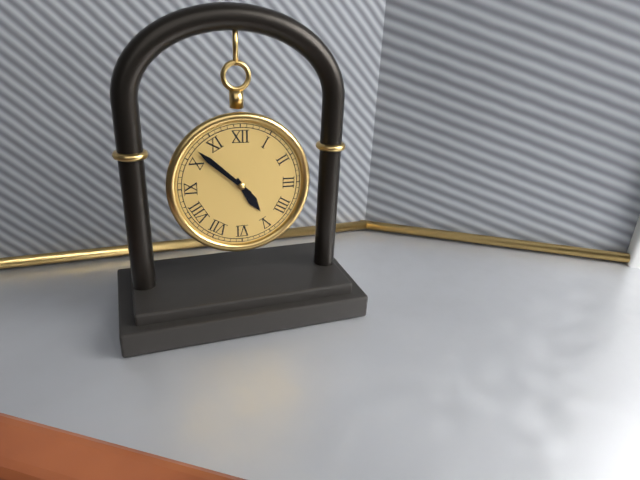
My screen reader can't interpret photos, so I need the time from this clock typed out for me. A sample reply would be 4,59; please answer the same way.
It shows 4,52
